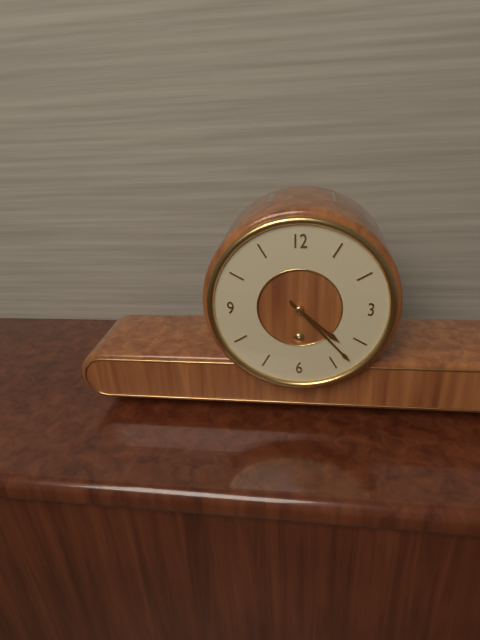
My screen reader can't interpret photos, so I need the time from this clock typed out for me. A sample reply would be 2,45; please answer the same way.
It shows 4,23
